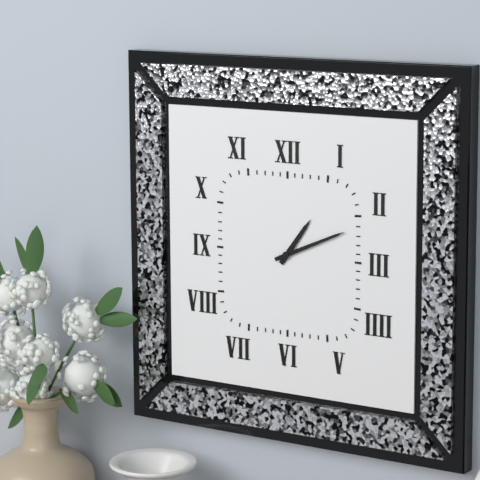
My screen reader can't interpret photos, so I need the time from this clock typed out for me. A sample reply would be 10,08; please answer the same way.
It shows 1,11
